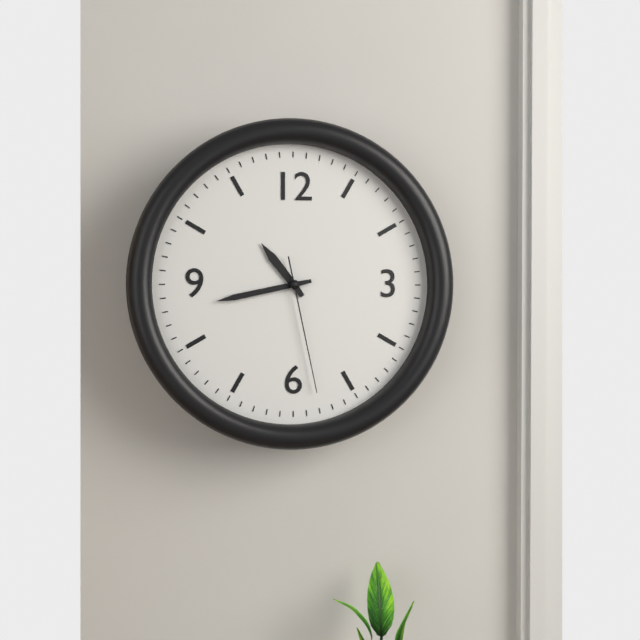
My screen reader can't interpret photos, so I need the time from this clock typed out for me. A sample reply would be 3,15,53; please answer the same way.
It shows 10,43,28
